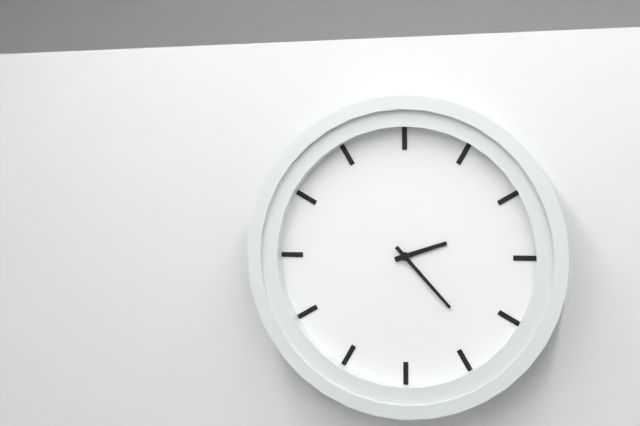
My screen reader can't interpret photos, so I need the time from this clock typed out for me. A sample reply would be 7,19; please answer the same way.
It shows 2,23
